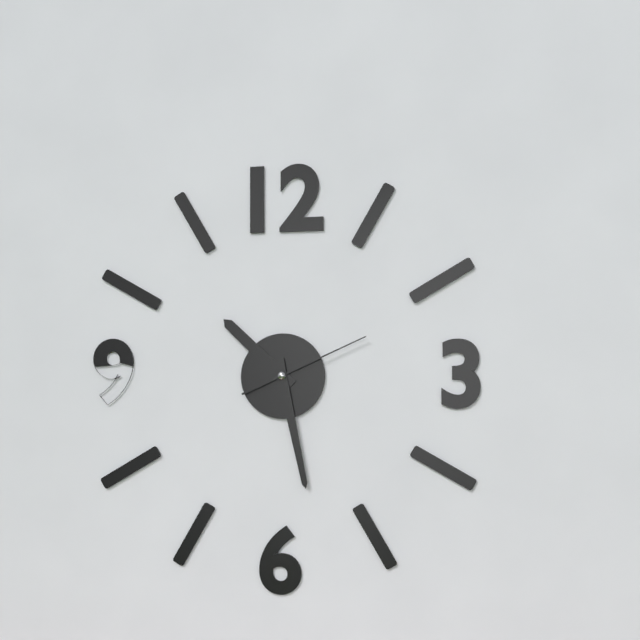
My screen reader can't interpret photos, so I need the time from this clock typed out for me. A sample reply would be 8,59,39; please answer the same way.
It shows 10,28,11
